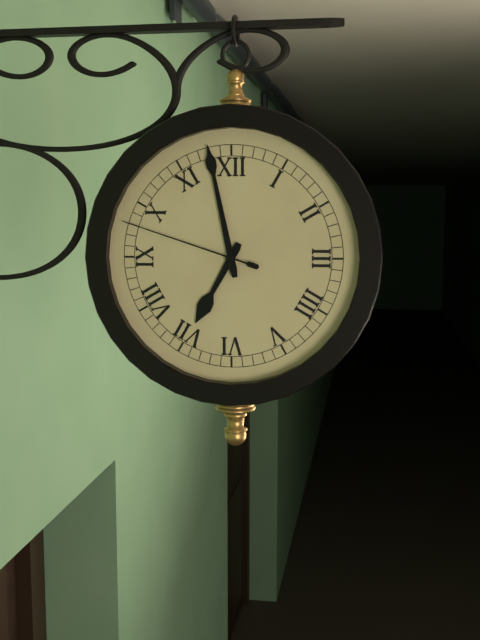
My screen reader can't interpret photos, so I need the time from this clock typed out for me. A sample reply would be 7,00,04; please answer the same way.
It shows 6,58,48
